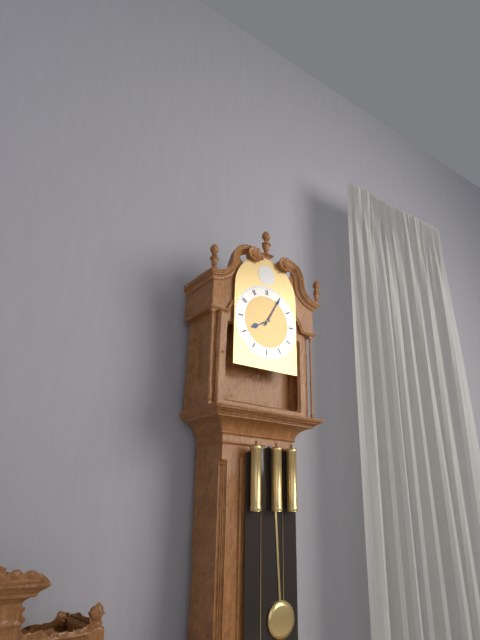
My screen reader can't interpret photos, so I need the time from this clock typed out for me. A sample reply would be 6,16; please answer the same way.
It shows 8,05
